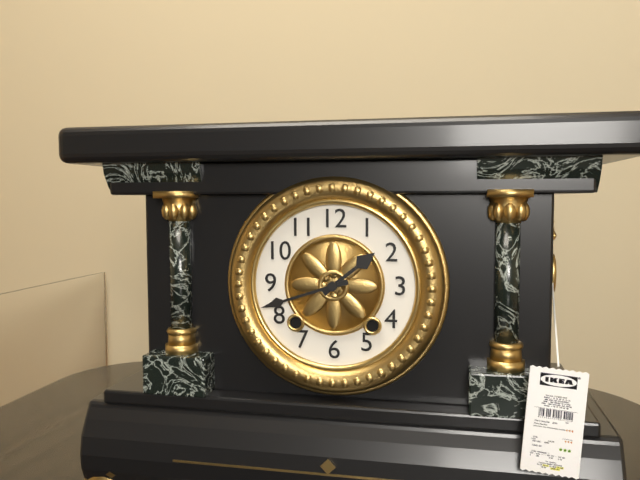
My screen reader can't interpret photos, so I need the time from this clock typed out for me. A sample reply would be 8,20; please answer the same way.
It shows 1,42
